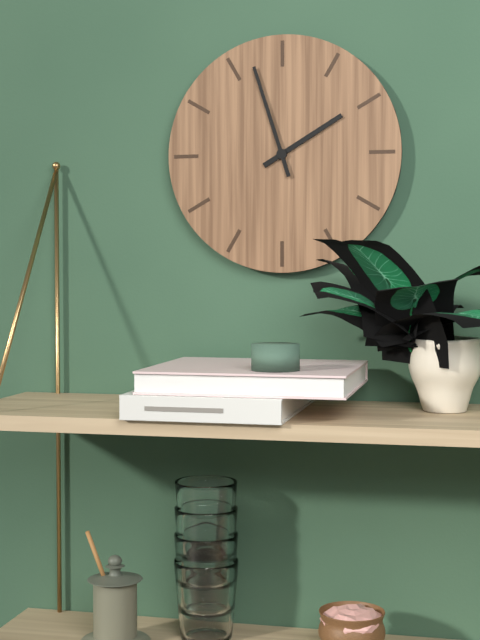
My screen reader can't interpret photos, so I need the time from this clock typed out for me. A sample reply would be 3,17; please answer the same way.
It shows 1,57
